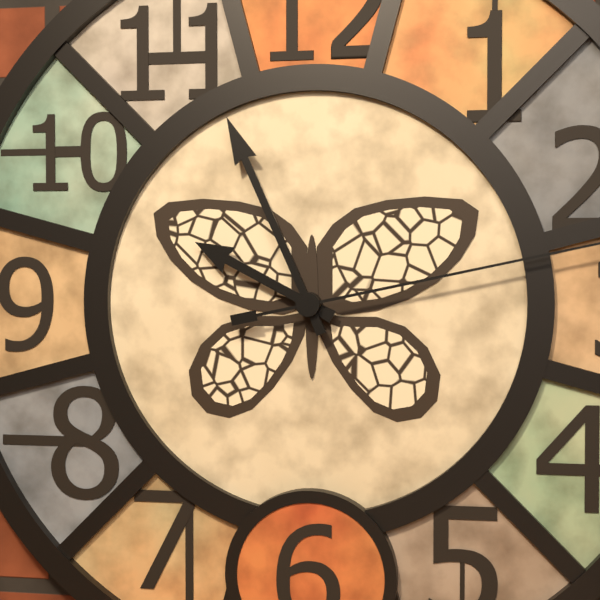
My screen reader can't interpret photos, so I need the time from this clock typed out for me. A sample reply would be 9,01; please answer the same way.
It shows 9,56
